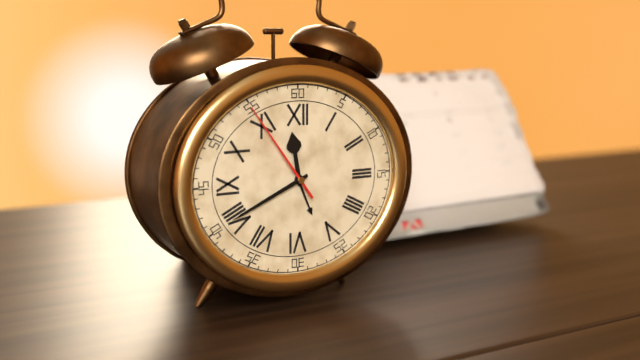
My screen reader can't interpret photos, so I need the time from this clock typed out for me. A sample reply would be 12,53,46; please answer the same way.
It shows 11,41,54
